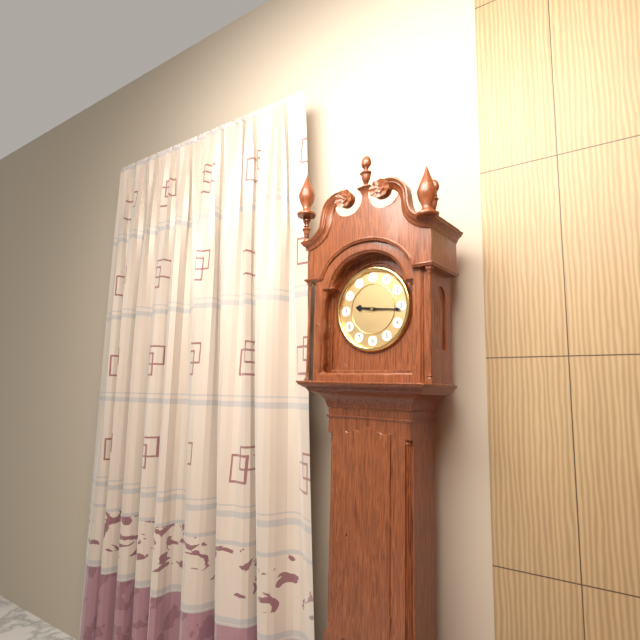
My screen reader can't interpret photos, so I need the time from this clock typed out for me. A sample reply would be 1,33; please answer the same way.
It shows 9,16
